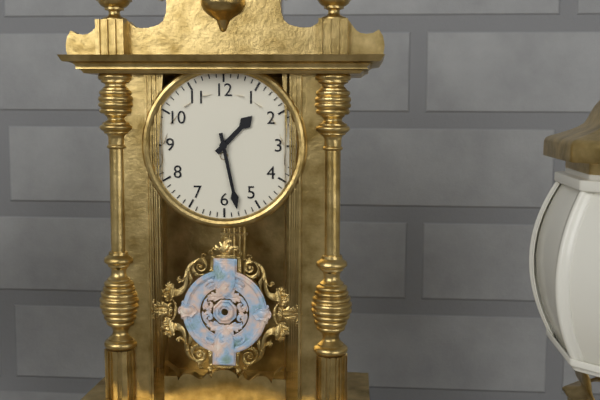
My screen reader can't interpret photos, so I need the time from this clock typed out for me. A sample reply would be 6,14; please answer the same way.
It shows 1,28
